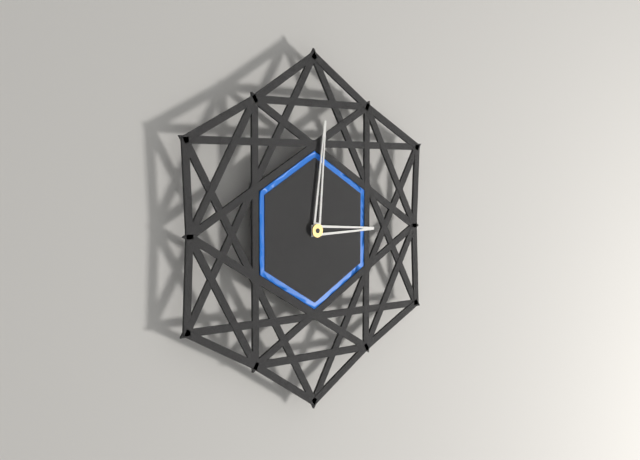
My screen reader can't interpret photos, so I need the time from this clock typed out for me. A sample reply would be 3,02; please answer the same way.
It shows 3,01
